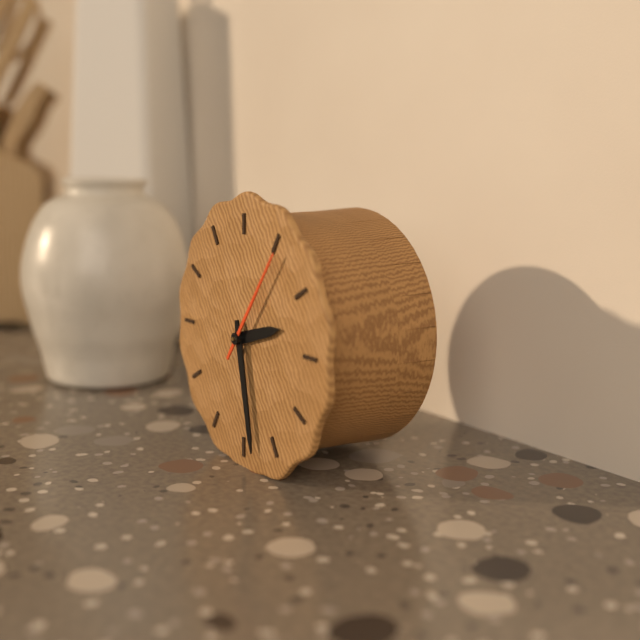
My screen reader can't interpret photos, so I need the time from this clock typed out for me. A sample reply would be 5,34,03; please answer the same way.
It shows 2,28,06
